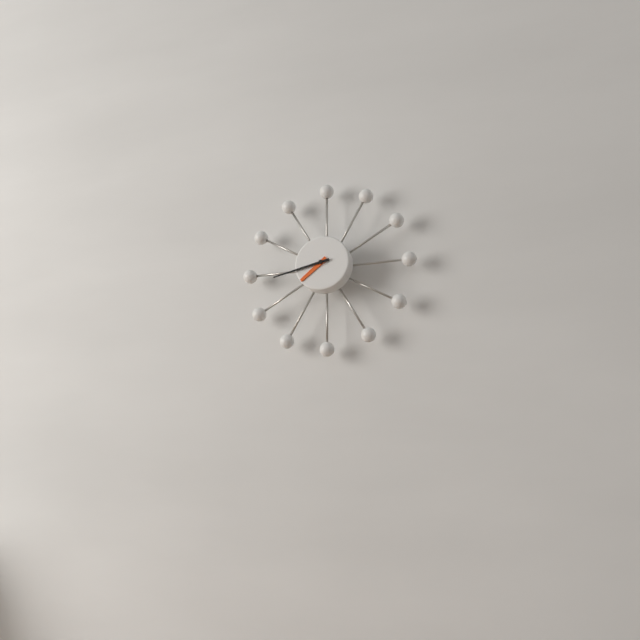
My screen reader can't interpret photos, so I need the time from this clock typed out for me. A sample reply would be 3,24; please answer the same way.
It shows 7,43
